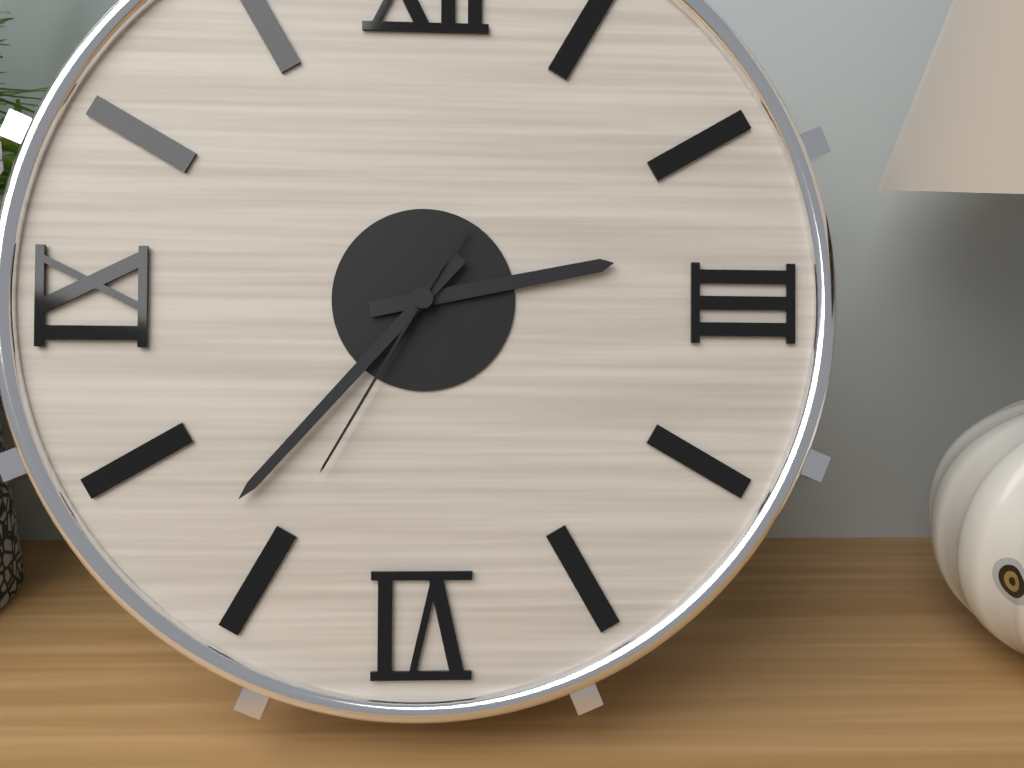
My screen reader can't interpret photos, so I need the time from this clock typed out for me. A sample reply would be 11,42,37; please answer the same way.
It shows 2,37,35
